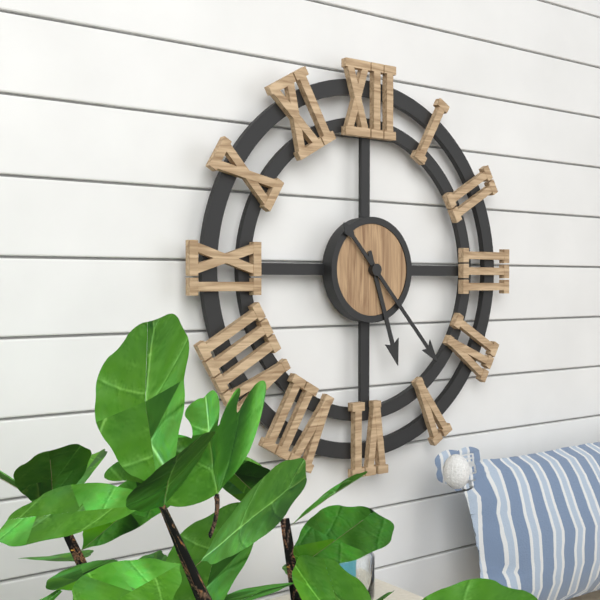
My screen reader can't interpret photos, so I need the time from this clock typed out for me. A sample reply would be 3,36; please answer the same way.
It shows 5,23
